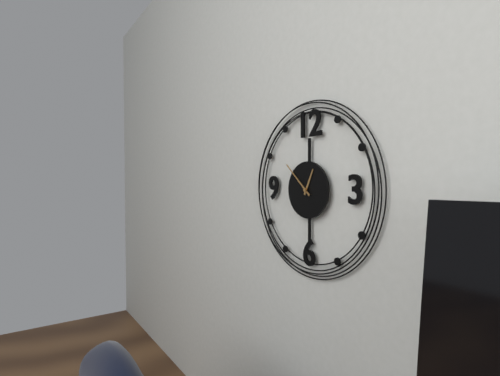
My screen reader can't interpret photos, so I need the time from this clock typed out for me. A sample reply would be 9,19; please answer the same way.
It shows 12,52
